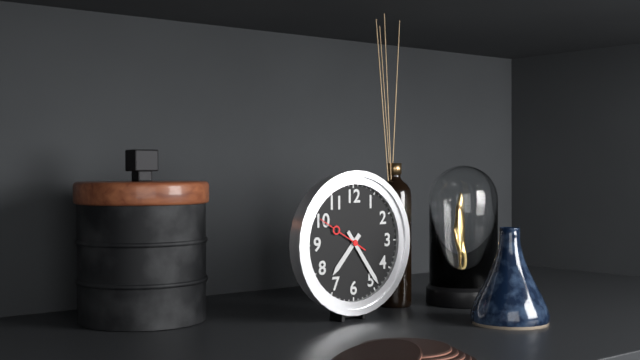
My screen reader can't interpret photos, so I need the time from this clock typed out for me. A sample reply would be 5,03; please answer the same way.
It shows 7,24
